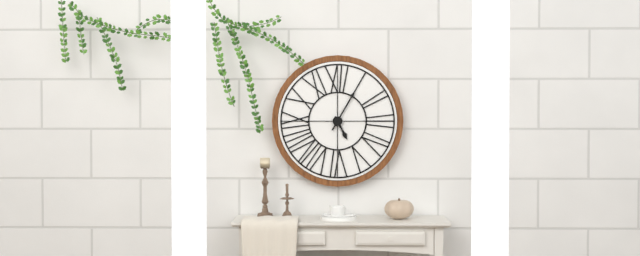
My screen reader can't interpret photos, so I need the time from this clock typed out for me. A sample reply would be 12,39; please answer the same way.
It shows 5,05
